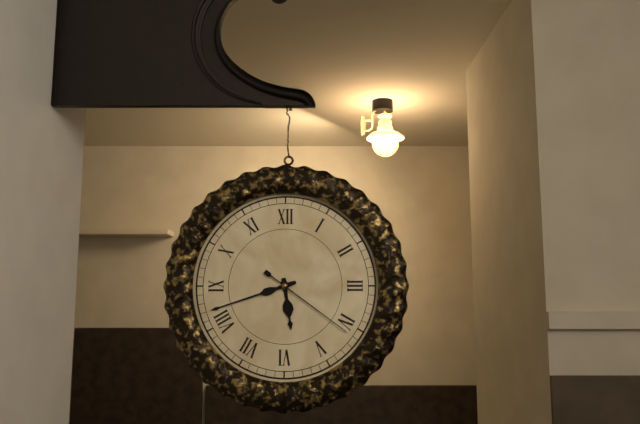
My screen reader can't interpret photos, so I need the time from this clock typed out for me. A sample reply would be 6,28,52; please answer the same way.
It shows 5,42,21
